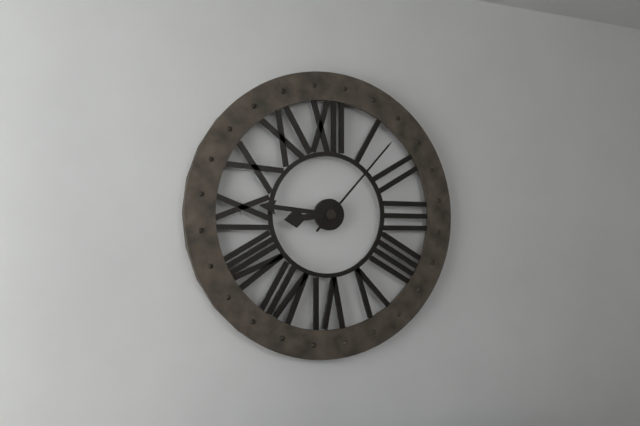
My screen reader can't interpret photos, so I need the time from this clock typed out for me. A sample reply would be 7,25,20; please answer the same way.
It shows 8,46,07
